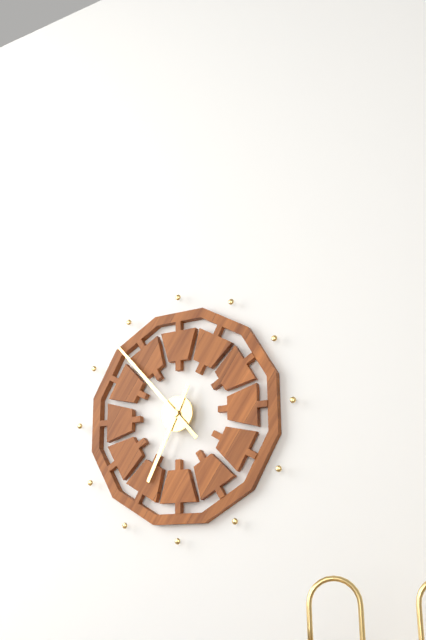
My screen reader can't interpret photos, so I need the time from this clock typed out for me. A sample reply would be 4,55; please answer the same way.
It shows 6,53
